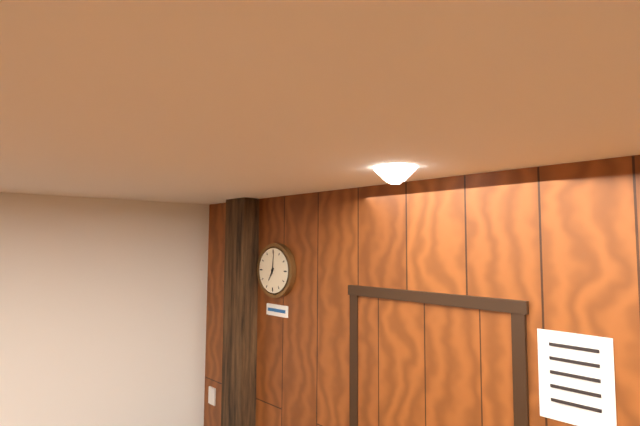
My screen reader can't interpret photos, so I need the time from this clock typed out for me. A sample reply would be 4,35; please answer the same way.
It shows 7,01
